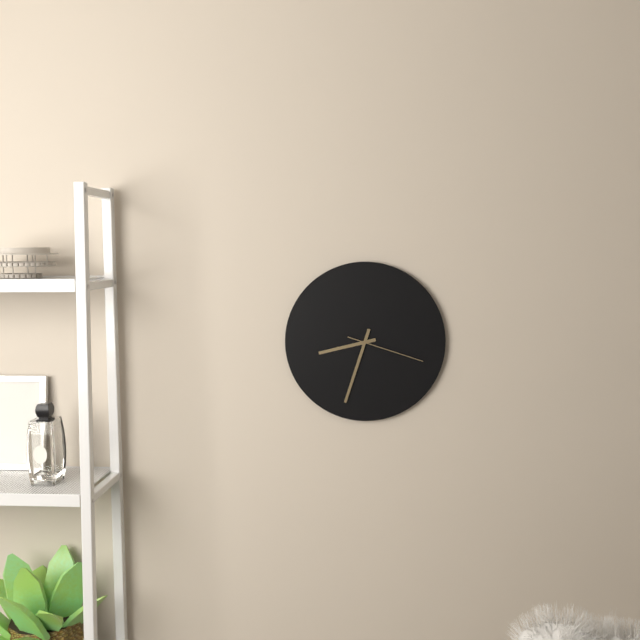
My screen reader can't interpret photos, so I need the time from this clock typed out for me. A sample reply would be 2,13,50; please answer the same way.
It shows 8,33,18
